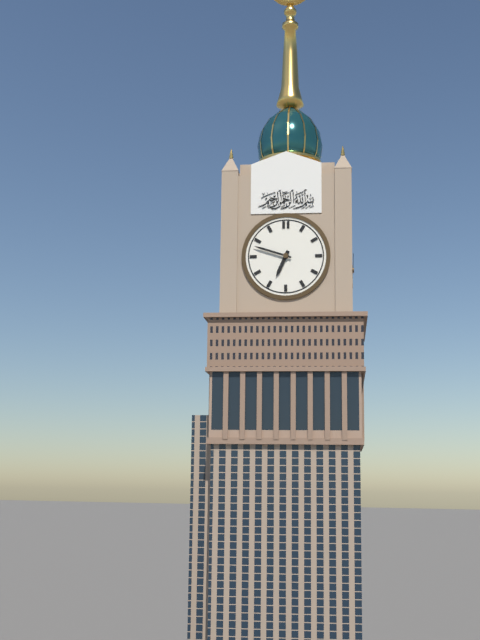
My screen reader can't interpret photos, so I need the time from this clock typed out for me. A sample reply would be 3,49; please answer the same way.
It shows 6,48
